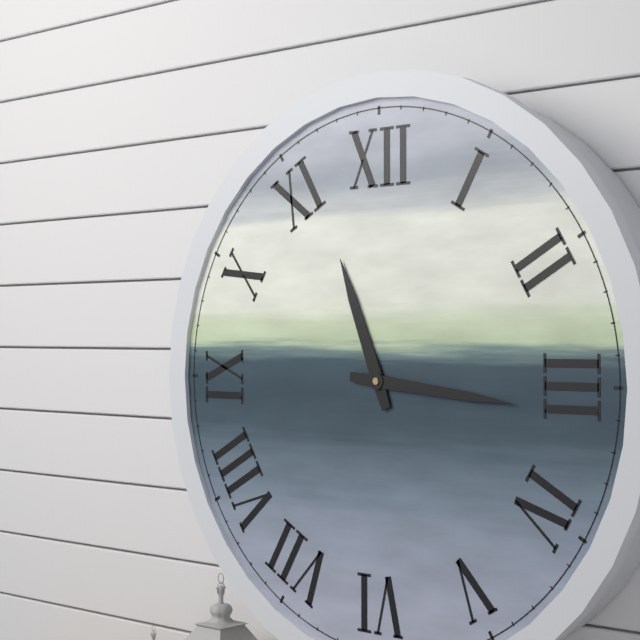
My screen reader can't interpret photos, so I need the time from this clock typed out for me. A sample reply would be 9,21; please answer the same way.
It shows 11,16
